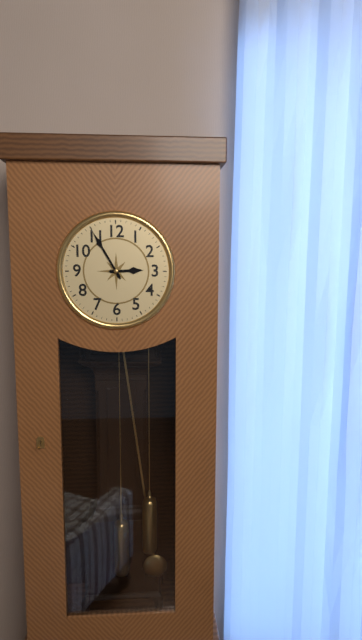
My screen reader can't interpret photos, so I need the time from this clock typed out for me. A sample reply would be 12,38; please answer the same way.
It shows 2,55
